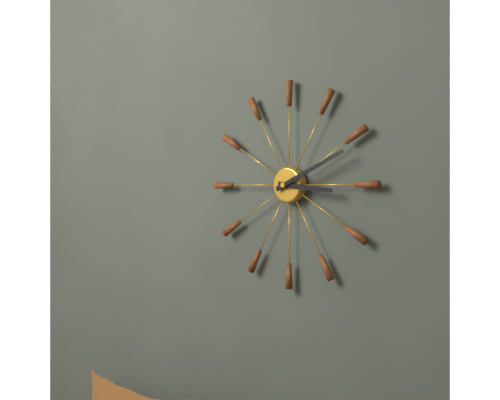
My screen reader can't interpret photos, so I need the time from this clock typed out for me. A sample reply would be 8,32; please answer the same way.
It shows 3,11
